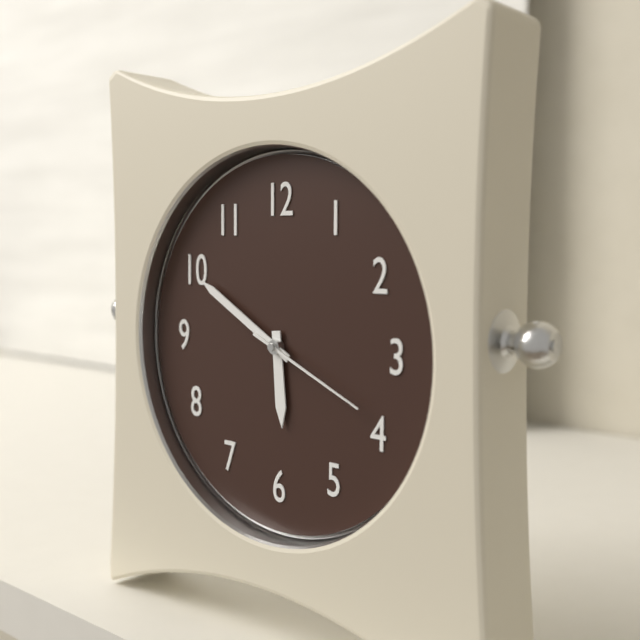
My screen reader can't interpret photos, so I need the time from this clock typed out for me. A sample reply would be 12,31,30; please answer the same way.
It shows 5,50,19
